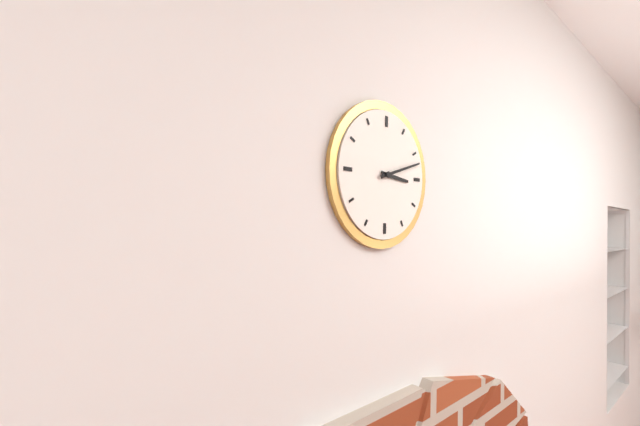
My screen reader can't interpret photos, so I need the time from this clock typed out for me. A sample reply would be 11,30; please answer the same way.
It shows 3,12
